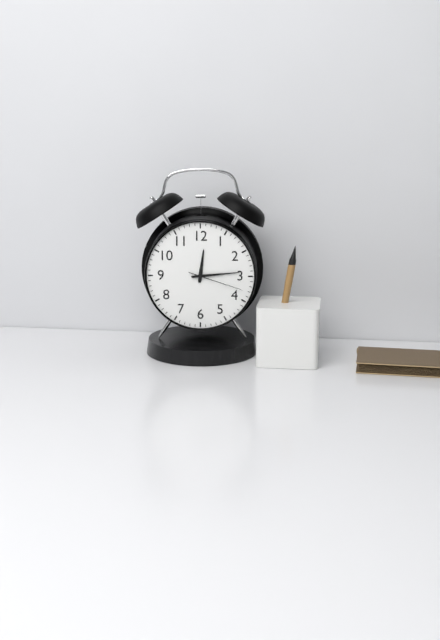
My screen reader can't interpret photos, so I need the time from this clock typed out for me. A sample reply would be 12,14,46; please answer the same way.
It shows 12,14,18
